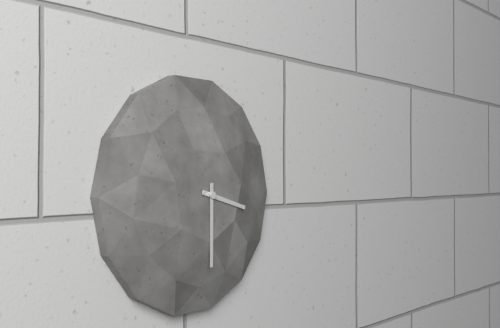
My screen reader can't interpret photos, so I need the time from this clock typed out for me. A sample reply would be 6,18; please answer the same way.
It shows 3,30
